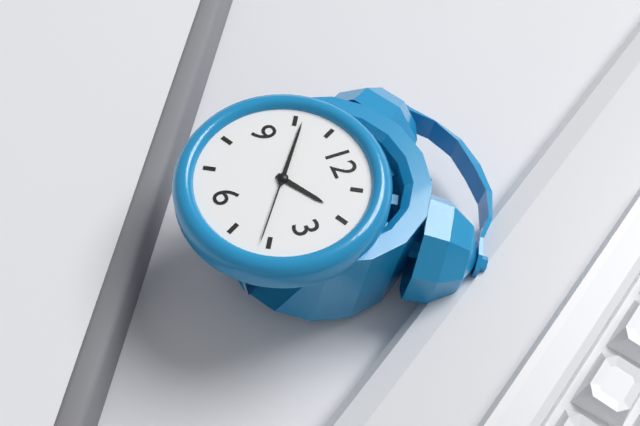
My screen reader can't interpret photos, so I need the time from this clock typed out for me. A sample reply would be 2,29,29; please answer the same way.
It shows 1,51,21
